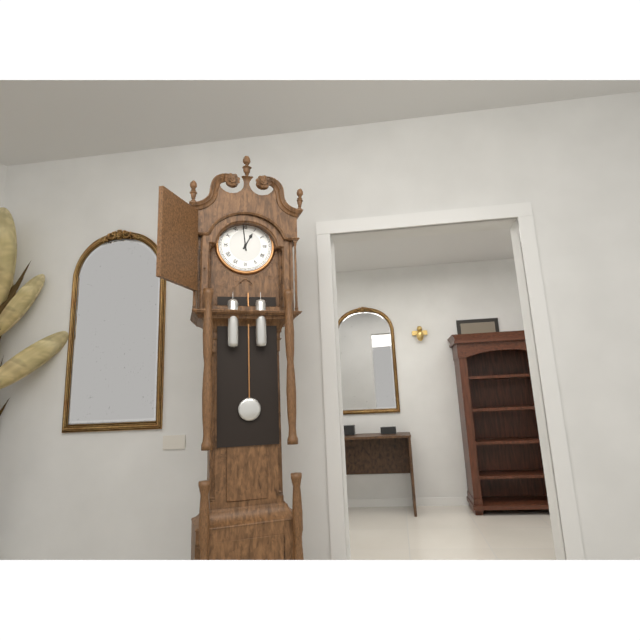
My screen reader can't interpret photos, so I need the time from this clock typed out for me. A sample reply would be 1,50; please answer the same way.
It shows 12,59
